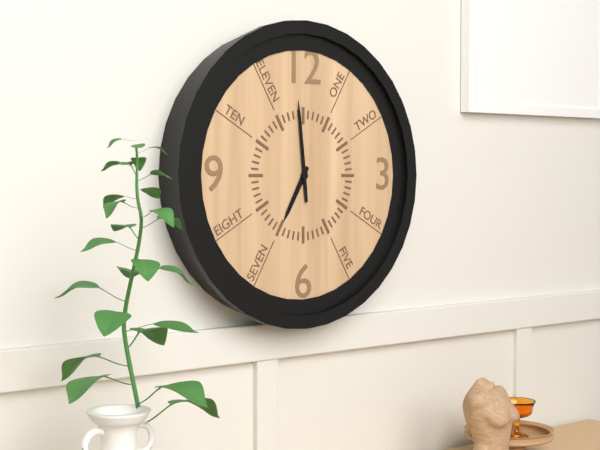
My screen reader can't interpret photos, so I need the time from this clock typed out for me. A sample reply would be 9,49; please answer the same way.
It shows 6,59
